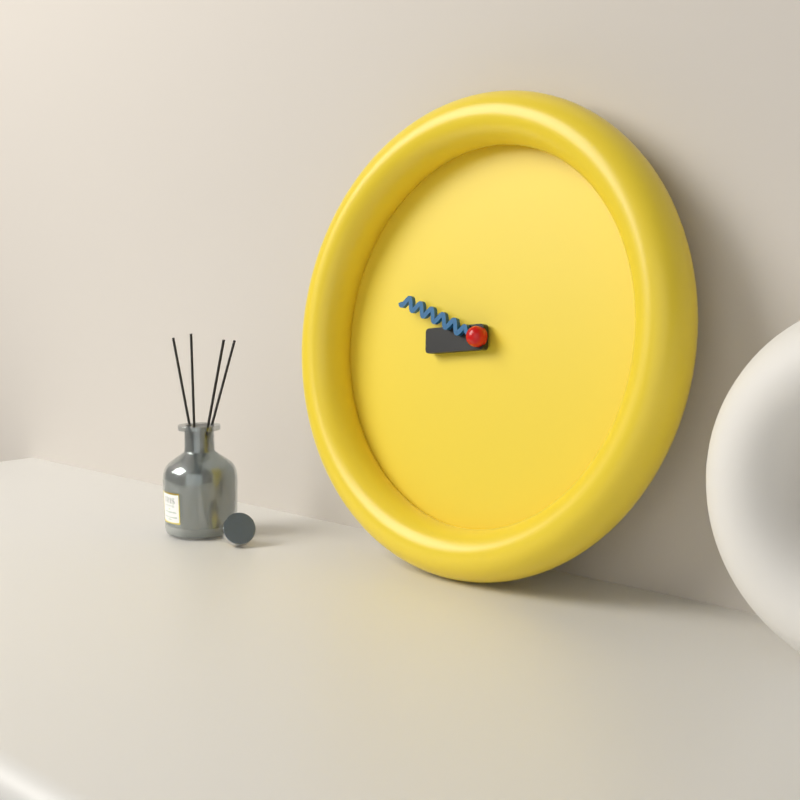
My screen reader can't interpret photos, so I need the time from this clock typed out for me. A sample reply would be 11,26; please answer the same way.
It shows 8,48
